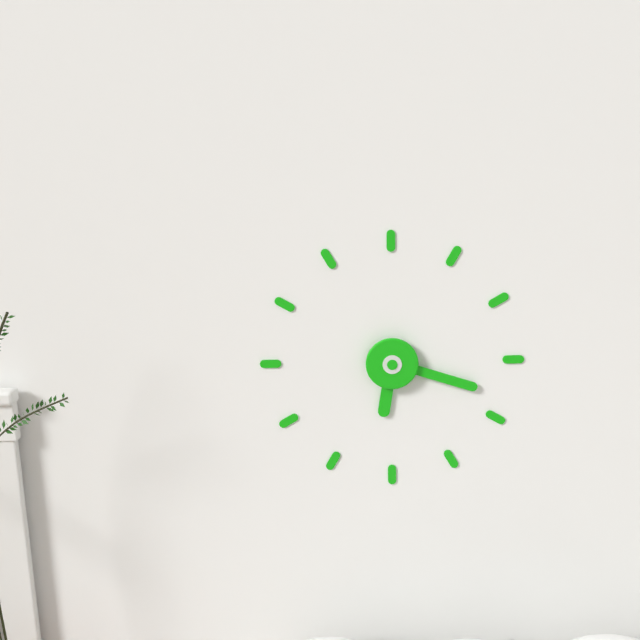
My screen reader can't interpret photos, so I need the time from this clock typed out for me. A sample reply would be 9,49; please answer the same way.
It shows 6,18
